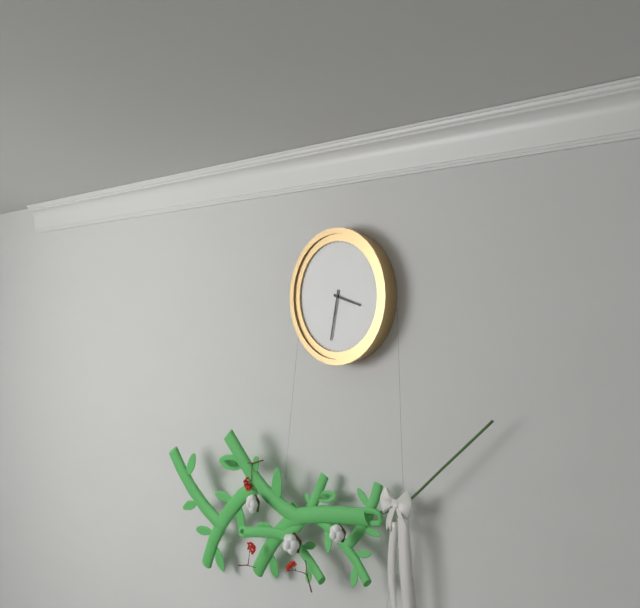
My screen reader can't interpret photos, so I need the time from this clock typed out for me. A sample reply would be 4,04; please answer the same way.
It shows 3,32
